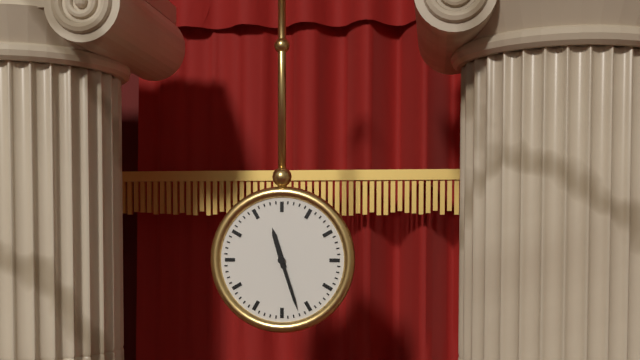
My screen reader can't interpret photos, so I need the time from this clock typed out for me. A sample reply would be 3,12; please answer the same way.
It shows 11,27
